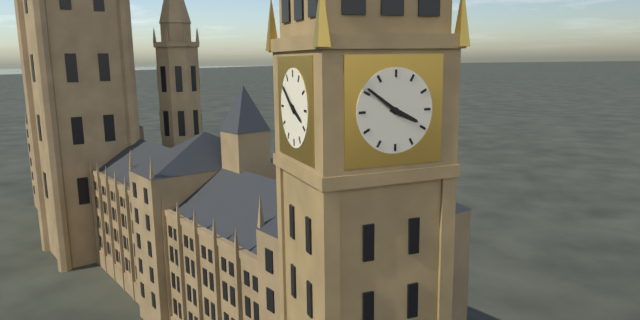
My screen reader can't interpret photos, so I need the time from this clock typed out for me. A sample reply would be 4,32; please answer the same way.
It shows 3,51
